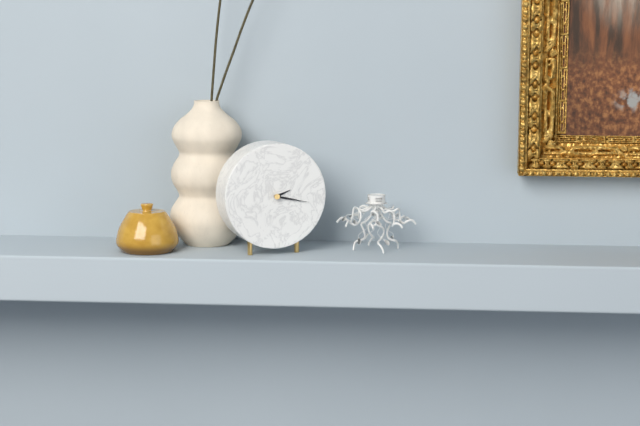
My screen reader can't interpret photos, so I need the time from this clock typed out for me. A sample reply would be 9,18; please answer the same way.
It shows 2,17
